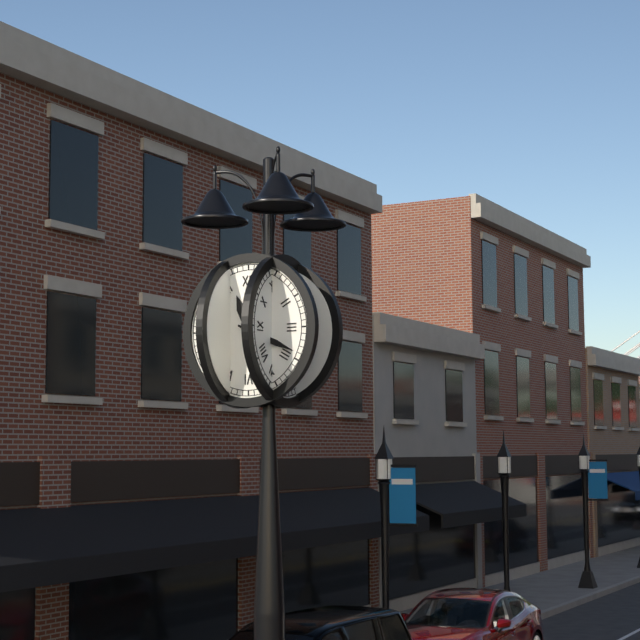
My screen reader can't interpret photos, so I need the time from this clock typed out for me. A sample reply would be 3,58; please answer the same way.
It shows 11,19
